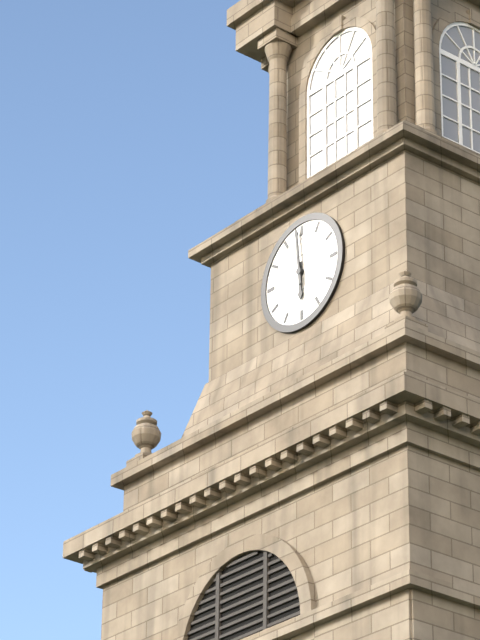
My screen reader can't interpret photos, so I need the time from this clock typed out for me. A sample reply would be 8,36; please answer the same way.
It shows 5,59
